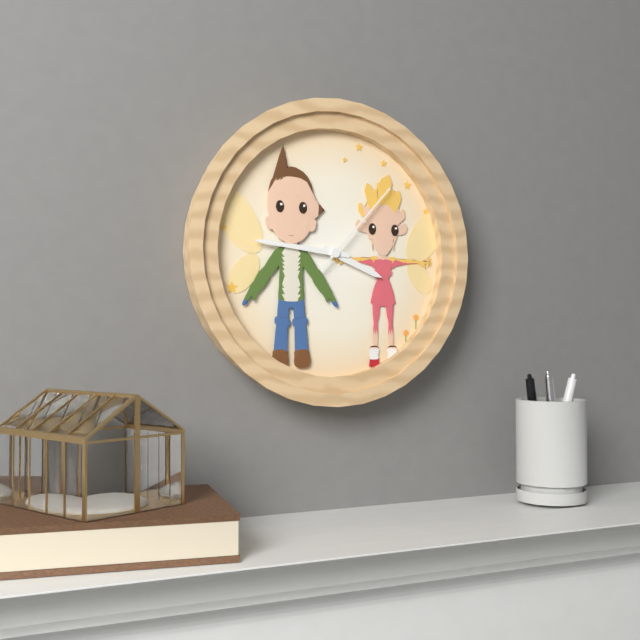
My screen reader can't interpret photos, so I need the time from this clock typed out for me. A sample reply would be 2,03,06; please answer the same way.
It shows 3,46,07
